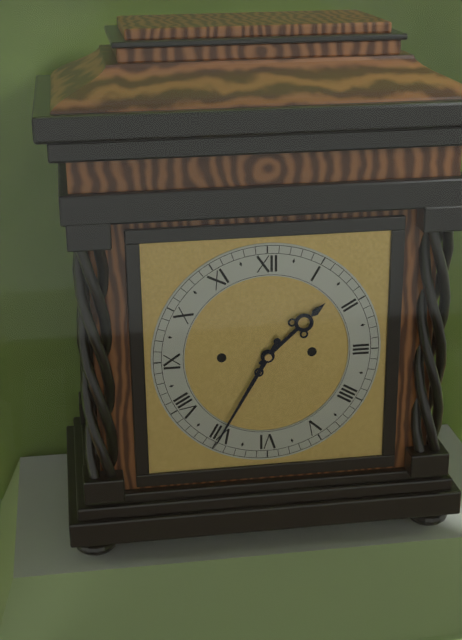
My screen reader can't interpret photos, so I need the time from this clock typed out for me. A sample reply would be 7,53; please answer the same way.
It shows 1,35
